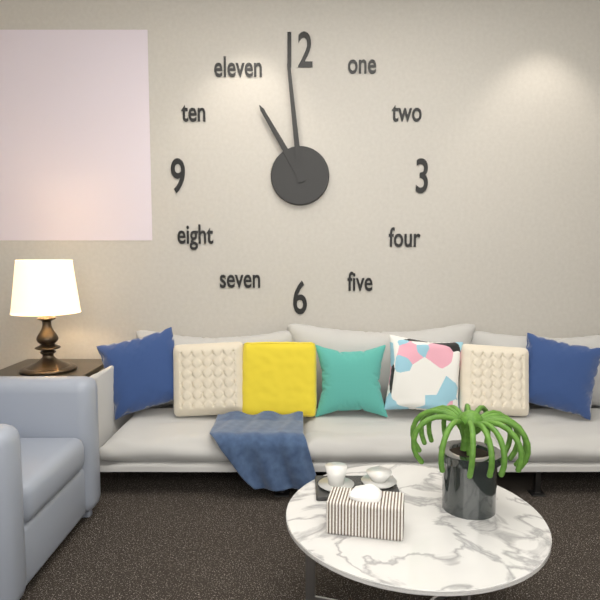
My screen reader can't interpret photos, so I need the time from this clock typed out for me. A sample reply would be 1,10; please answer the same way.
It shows 10,59
